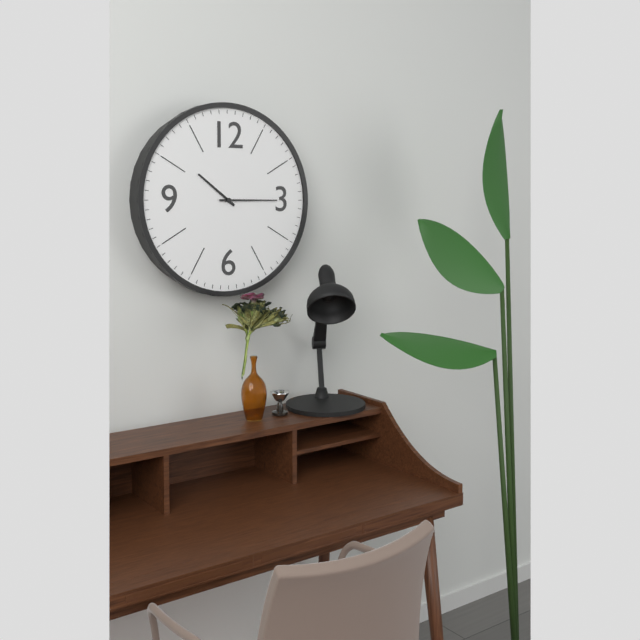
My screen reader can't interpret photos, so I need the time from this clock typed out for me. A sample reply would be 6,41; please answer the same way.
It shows 10,15
